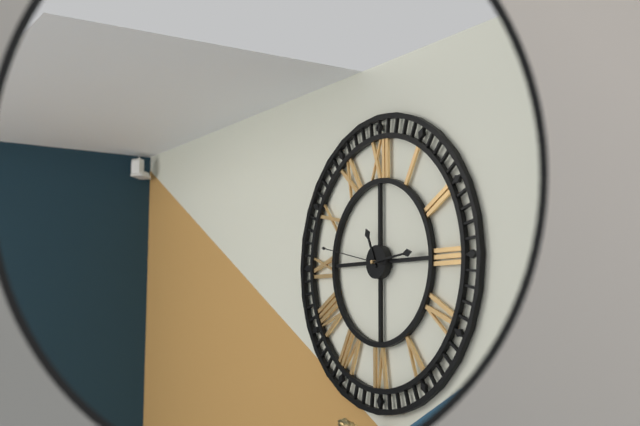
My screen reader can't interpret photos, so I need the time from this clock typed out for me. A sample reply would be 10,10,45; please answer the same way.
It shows 11,14,47
